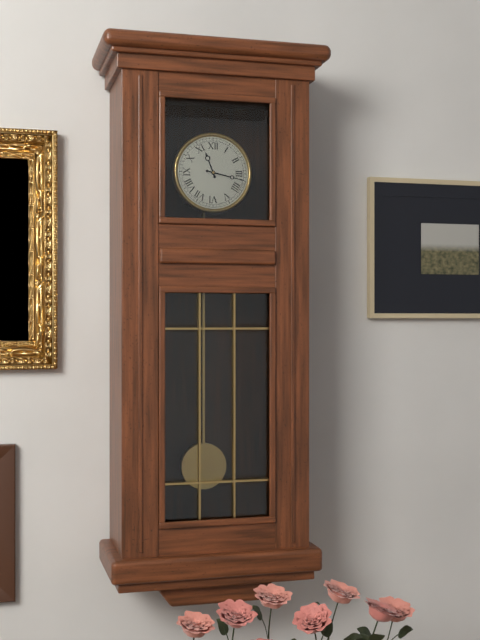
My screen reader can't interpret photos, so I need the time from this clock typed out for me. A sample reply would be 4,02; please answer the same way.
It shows 11,17
